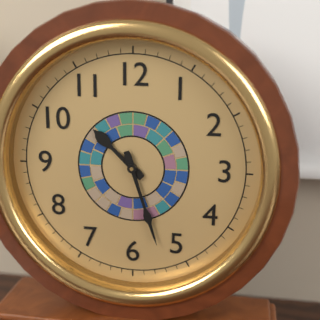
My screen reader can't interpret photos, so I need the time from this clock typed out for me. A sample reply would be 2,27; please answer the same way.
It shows 10,27
